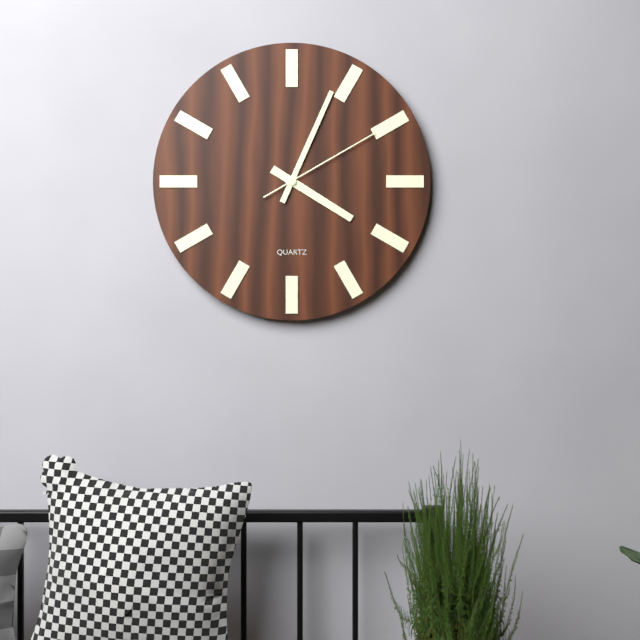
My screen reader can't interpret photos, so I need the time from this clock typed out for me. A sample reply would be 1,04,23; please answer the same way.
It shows 4,04,10
